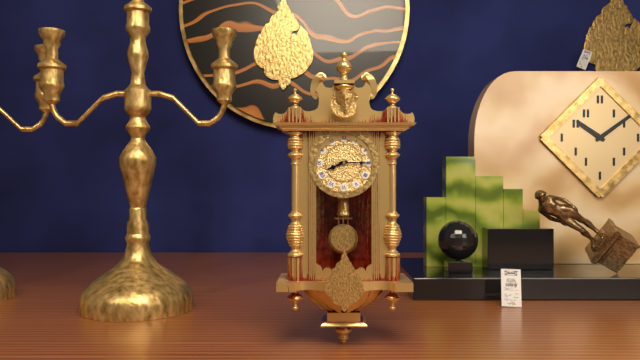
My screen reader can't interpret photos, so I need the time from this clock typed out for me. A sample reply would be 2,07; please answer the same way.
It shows 8,15
